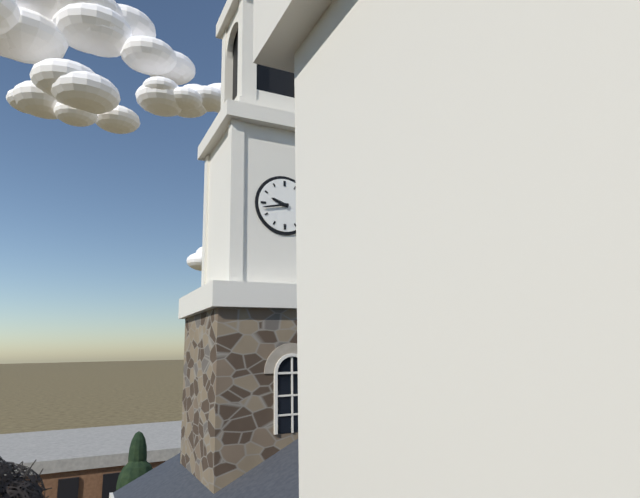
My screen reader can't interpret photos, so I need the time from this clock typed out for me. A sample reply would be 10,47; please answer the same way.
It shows 9,43
